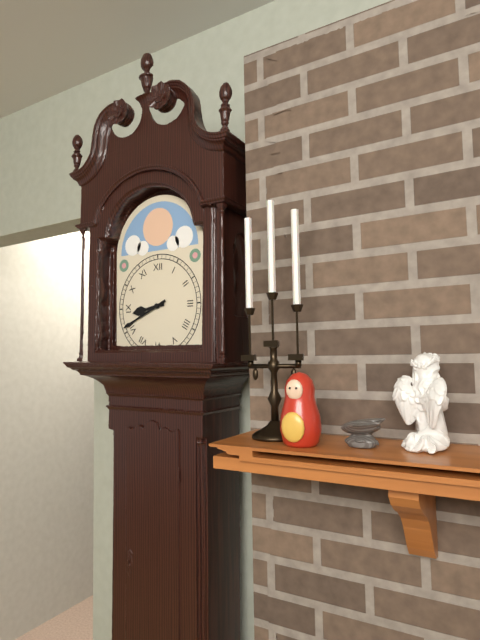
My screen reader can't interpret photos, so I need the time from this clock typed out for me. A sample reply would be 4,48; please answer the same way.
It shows 8,41
